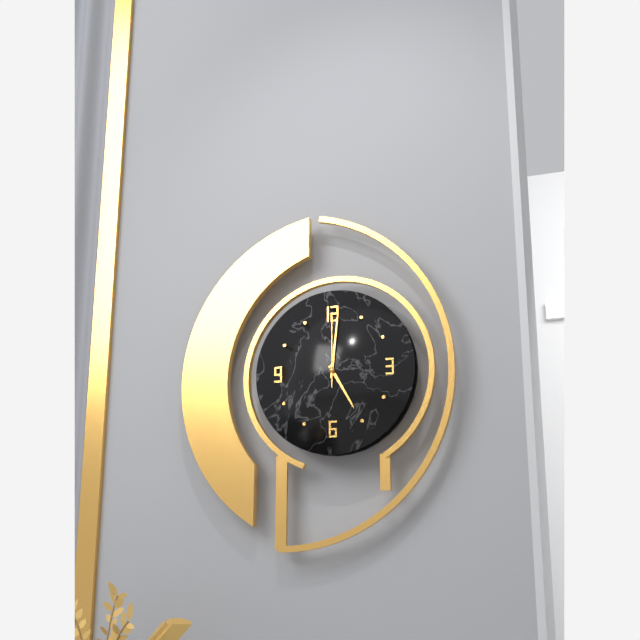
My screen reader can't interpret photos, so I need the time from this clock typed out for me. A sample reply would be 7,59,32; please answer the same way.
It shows 5,01,00
